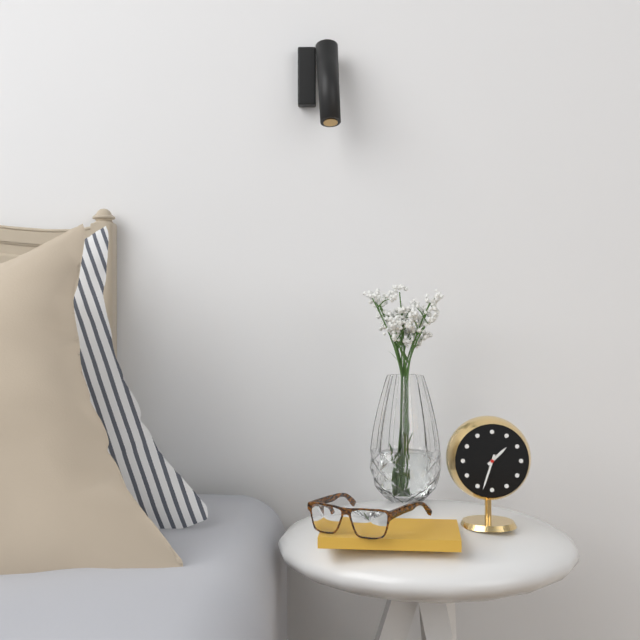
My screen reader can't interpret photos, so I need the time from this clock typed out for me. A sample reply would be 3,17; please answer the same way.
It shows 1,33
